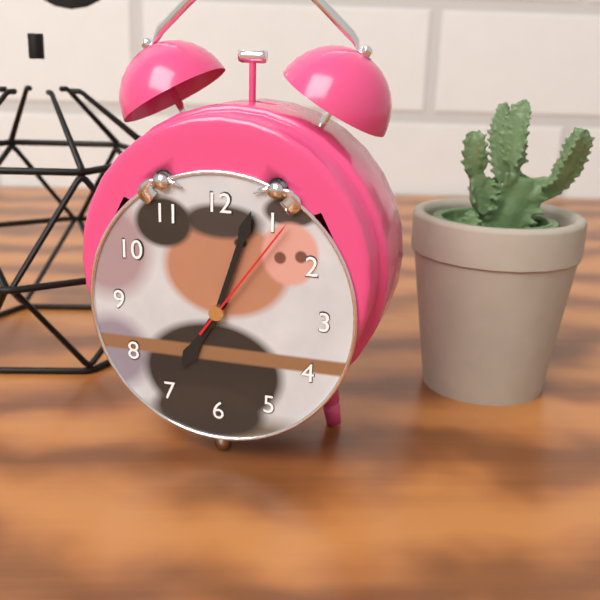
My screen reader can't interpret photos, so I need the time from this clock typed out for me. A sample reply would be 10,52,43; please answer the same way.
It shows 7,03,06
